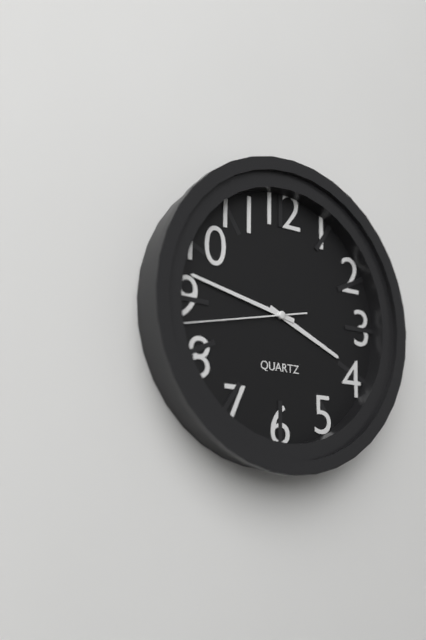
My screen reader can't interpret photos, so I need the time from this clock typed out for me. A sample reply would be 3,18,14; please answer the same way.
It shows 3,47,43
